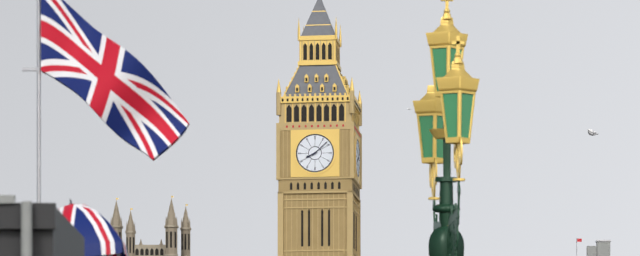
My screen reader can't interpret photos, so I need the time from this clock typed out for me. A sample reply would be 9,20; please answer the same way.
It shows 8,08
